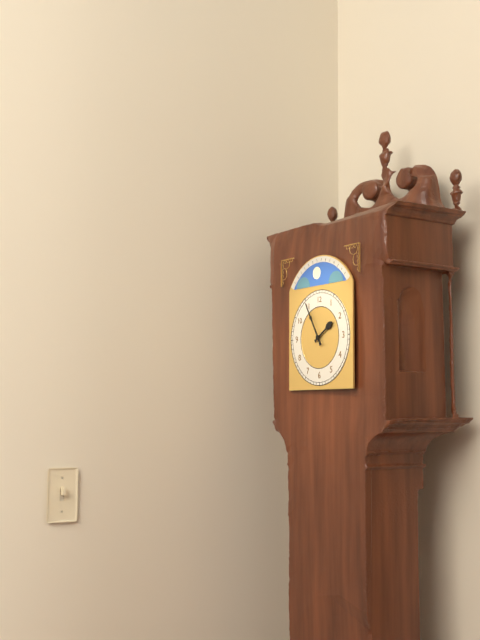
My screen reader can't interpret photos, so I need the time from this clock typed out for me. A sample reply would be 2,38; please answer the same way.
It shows 1,55
